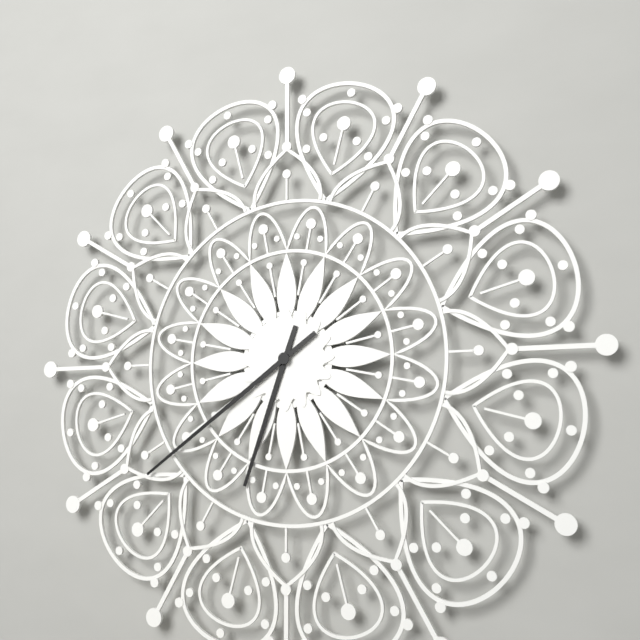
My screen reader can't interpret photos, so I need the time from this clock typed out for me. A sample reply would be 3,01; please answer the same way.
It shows 6,39
